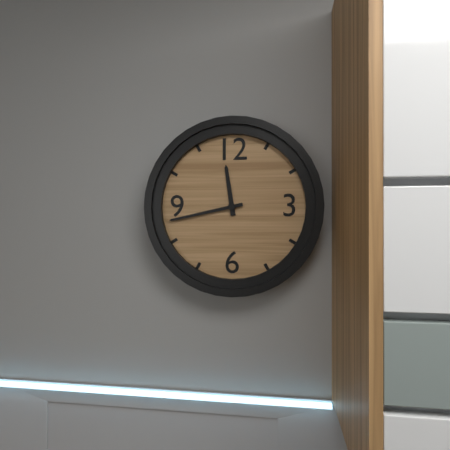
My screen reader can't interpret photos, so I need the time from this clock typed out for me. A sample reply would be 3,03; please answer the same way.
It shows 11,43
